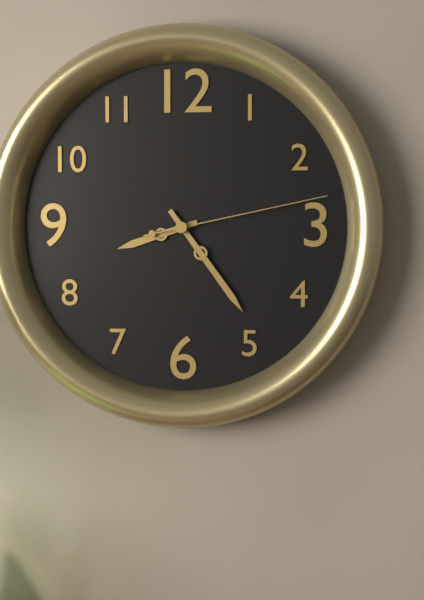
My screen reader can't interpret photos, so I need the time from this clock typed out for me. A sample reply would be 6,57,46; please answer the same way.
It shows 8,24,13
